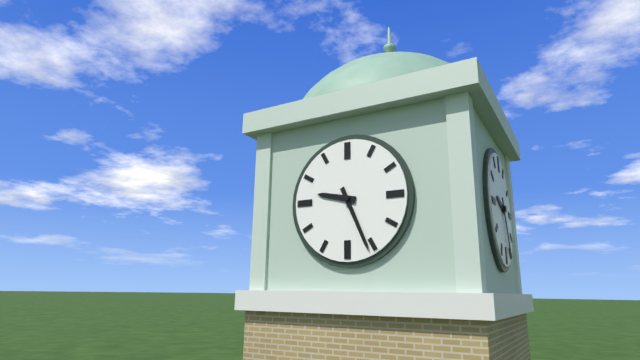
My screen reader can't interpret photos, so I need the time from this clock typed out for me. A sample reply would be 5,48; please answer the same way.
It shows 9,26
